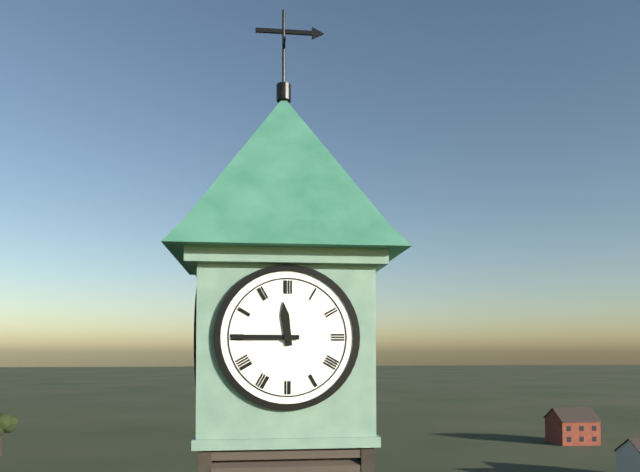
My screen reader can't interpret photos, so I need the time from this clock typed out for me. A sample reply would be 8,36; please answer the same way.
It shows 11,45
